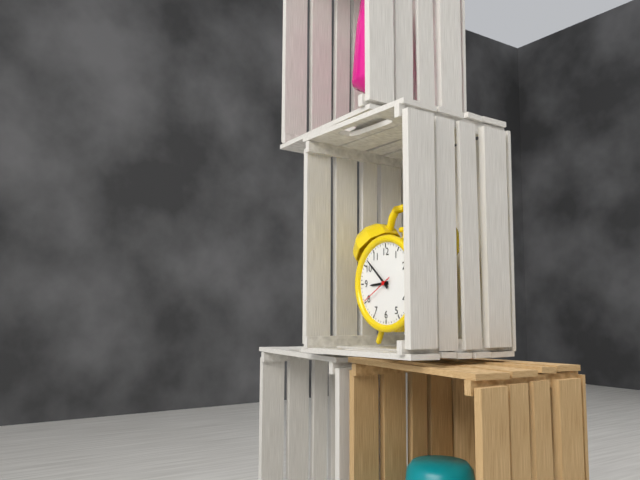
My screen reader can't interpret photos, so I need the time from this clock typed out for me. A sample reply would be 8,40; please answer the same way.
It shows 8,52
